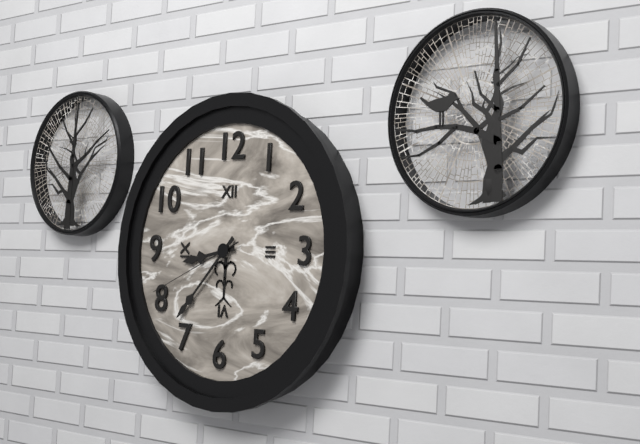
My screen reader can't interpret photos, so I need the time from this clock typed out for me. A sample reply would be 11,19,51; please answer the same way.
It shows 8,37,41
